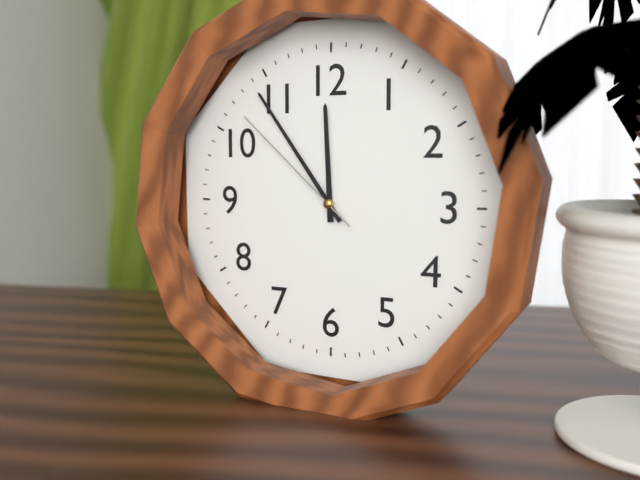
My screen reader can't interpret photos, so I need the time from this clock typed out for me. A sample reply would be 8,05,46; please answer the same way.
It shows 11,54,52
